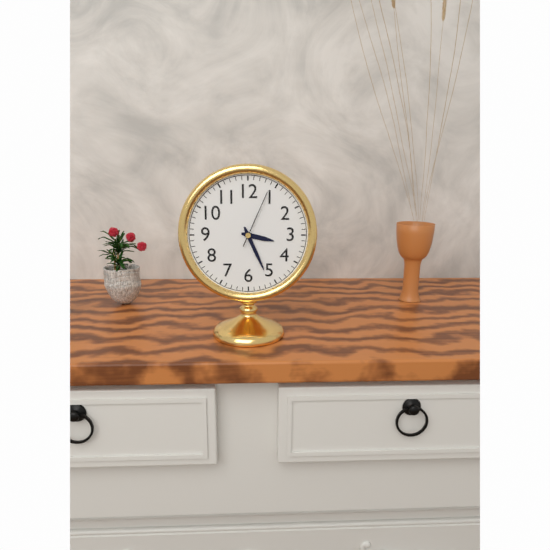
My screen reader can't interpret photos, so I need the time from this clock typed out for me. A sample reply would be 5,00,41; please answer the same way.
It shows 3,26,04
